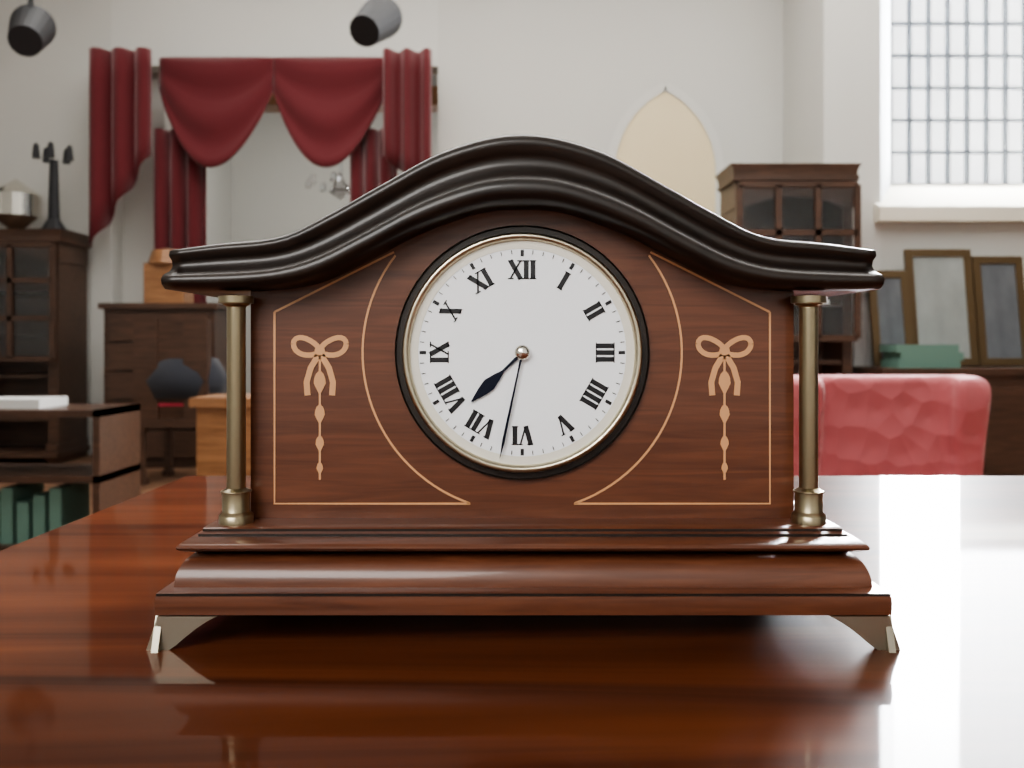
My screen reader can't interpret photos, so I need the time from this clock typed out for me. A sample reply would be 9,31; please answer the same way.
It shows 7,32
